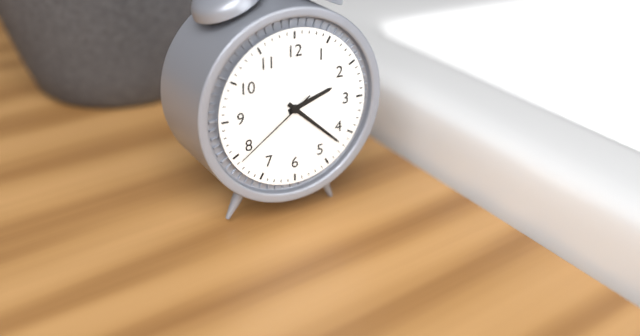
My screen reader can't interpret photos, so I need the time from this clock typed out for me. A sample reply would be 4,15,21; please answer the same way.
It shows 2,22,39
